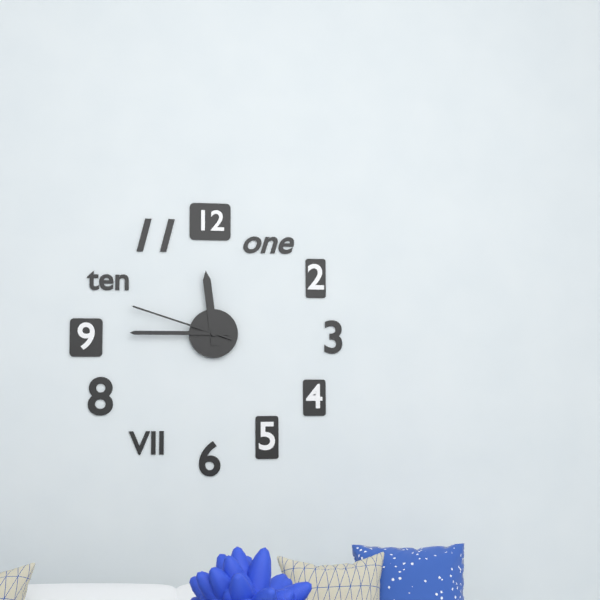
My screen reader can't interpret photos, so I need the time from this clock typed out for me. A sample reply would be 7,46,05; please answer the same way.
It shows 11,45,48
